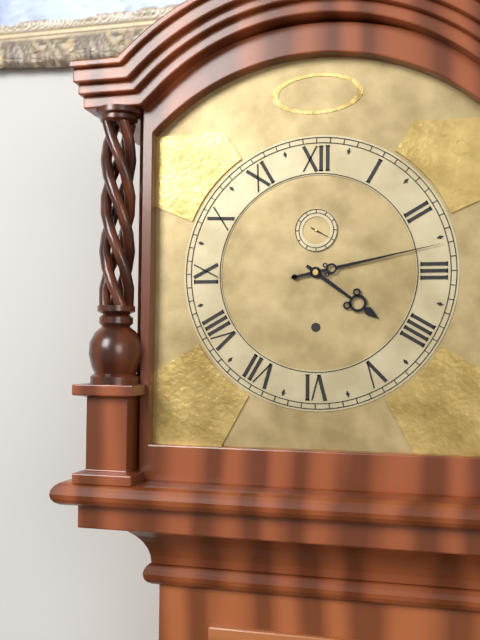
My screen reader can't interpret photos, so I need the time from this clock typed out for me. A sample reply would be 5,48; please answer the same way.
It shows 4,13
